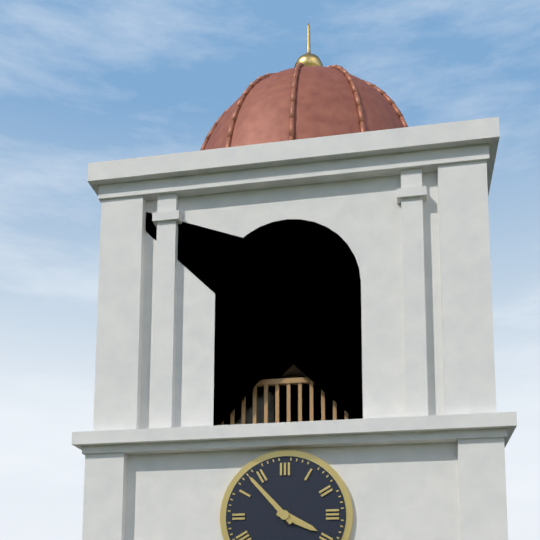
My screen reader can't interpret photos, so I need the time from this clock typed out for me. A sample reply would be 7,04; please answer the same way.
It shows 3,53
